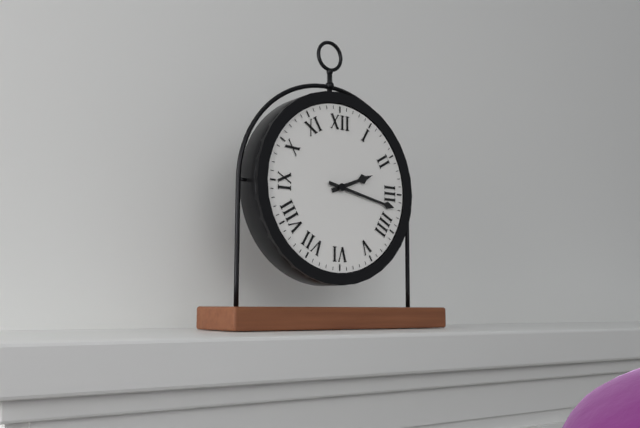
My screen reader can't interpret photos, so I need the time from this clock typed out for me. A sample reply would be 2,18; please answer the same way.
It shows 2,17
